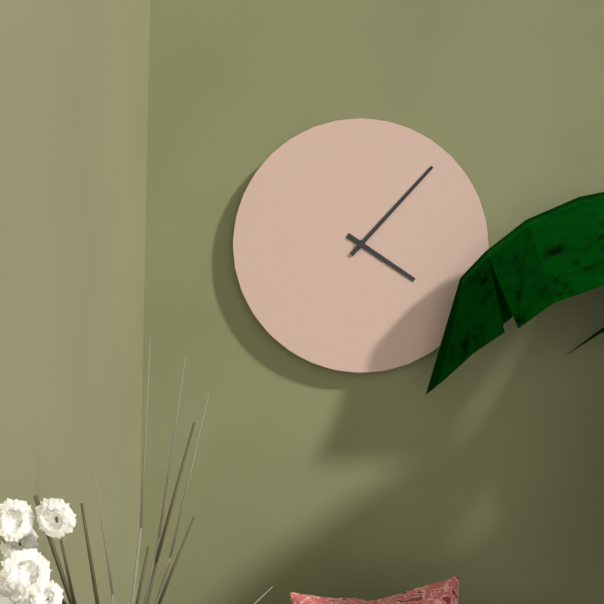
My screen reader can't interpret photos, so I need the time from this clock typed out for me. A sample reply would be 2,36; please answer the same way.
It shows 4,07
